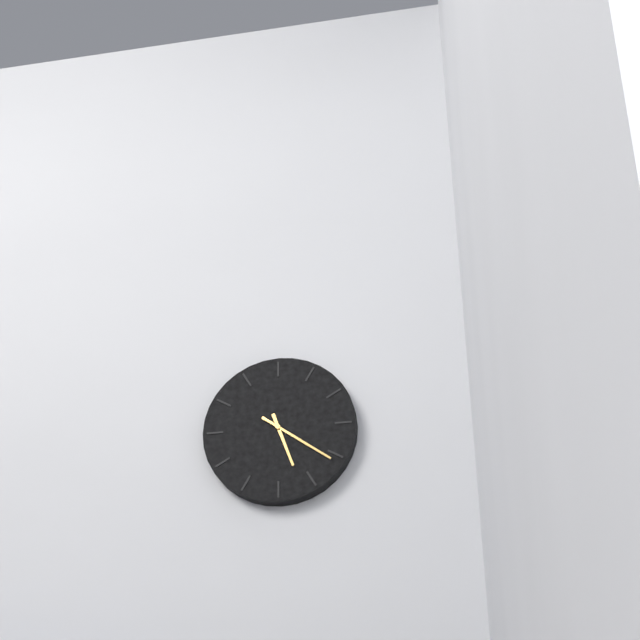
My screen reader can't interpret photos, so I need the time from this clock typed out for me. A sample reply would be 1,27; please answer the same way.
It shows 5,21
